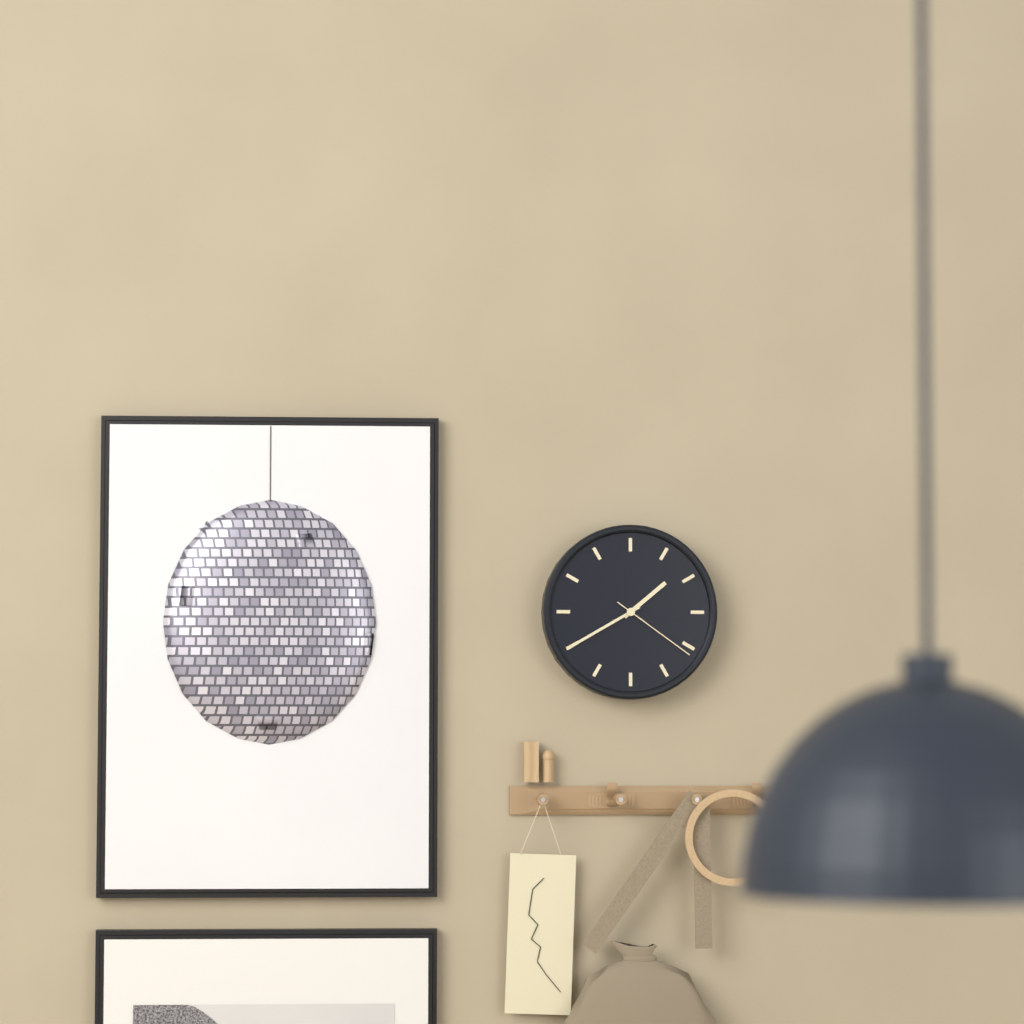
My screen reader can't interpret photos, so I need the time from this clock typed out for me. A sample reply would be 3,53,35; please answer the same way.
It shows 1,40,21
